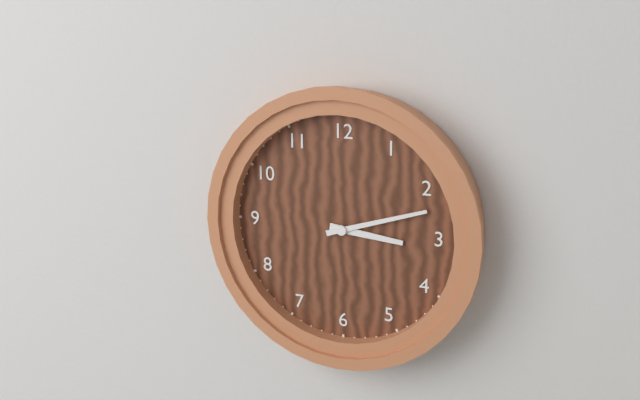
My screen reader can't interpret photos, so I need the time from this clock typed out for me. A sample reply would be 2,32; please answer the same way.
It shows 3,12
